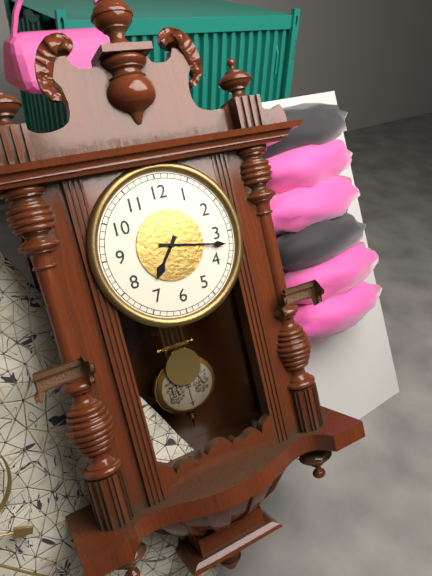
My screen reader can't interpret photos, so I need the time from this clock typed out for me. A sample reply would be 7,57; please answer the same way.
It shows 7,17
